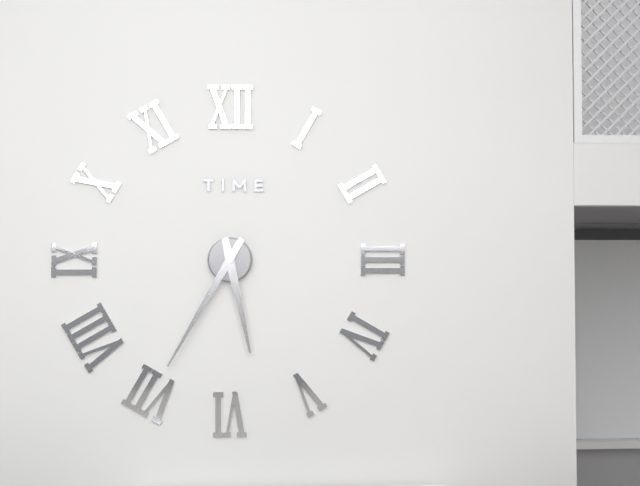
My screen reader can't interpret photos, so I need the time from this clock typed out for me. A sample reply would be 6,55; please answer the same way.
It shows 5,35
